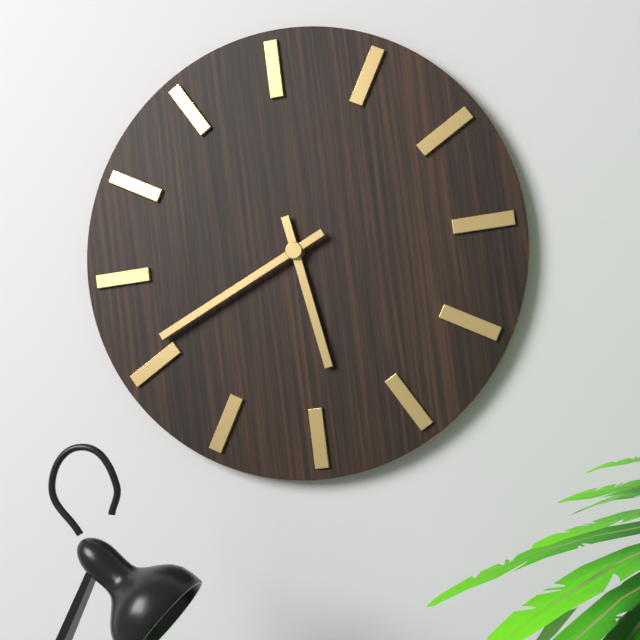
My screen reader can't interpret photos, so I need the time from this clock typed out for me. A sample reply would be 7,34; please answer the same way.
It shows 5,41
